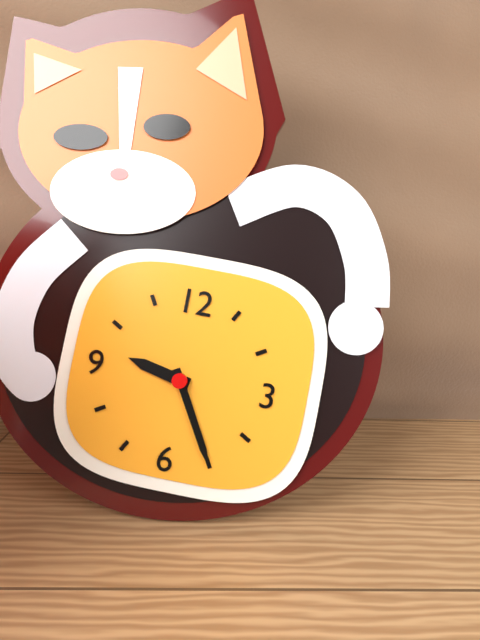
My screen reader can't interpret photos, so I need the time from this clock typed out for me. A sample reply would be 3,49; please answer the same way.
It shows 9,25
